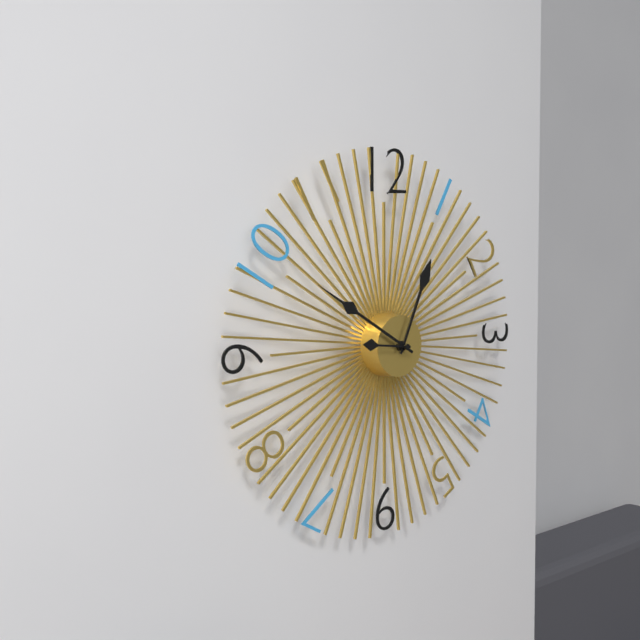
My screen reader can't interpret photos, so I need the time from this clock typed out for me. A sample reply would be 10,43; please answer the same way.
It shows 12,50
